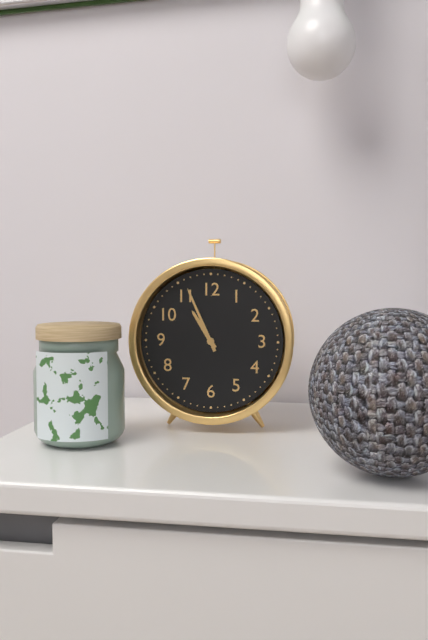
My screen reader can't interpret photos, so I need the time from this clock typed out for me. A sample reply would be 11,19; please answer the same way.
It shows 10,56
